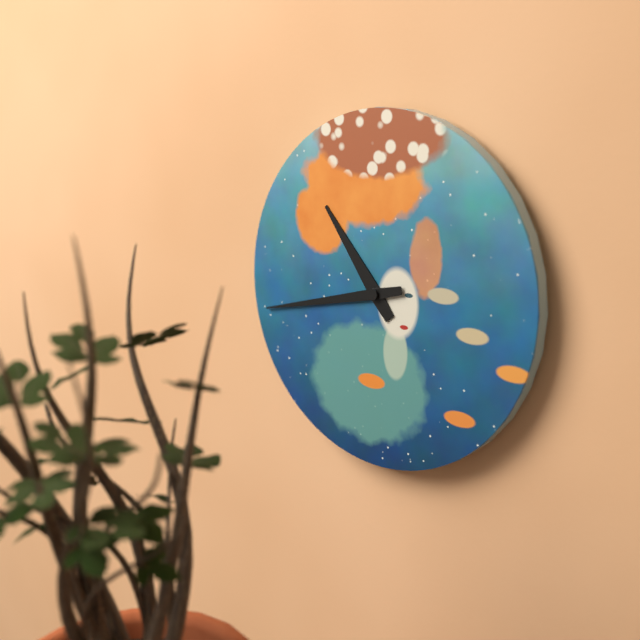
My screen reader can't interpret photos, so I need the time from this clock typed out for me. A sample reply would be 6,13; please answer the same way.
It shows 10,43
